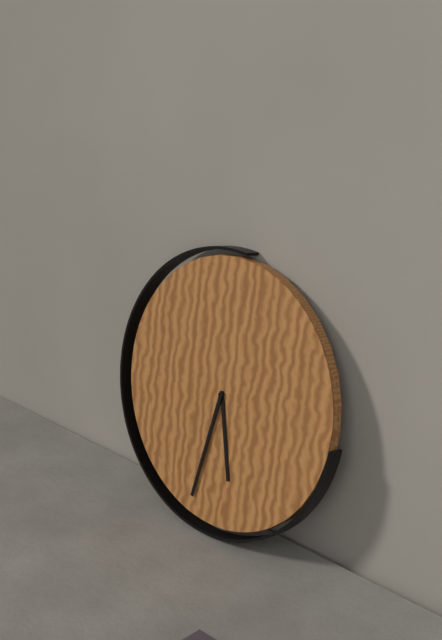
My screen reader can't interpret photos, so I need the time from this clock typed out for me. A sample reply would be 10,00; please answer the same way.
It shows 5,32
